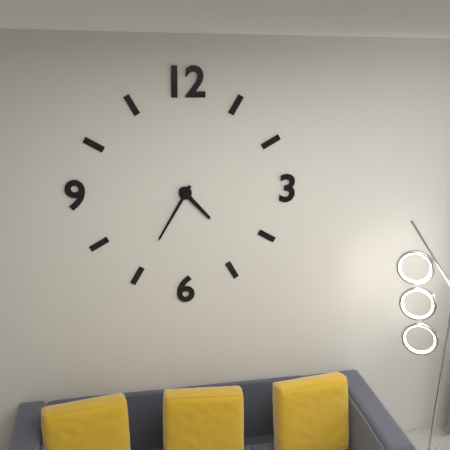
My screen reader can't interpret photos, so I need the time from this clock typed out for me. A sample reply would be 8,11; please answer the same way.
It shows 4,35
